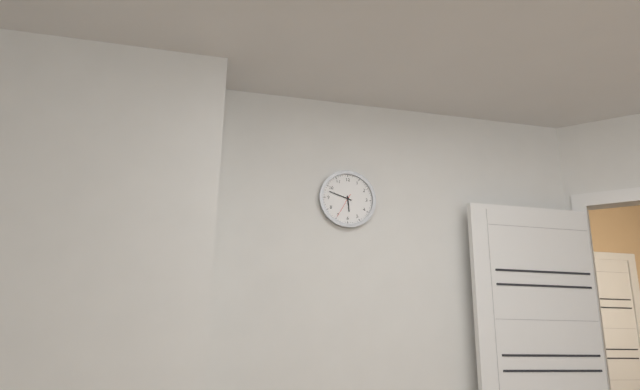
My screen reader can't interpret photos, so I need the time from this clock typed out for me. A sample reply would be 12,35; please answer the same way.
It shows 5,48
